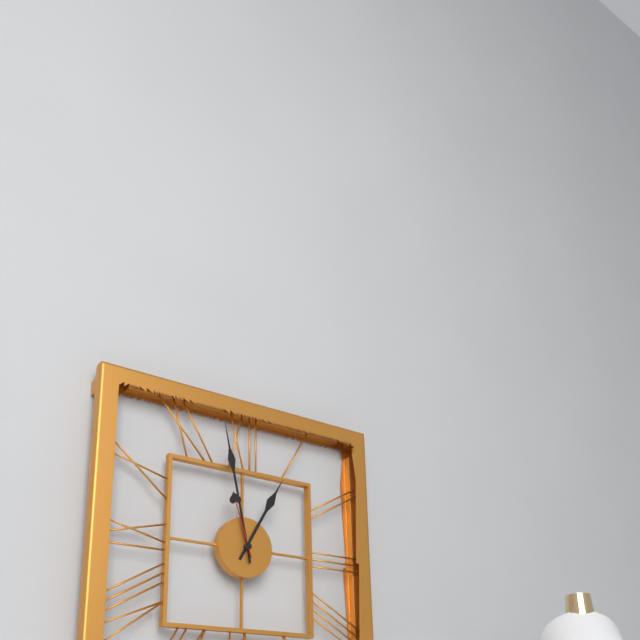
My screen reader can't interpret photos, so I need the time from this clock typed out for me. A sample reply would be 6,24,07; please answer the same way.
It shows 12,58,57
